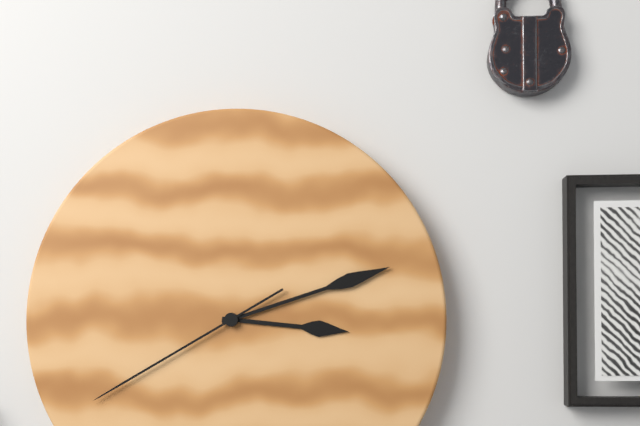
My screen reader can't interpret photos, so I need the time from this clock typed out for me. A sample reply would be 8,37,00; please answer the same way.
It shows 3,12,40
